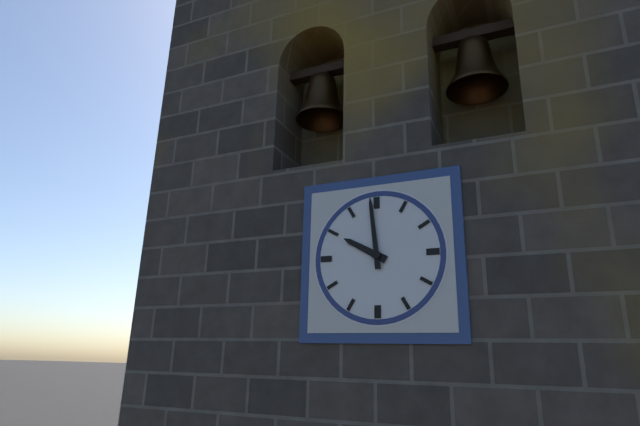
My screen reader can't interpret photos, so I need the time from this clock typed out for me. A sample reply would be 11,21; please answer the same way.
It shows 9,59
